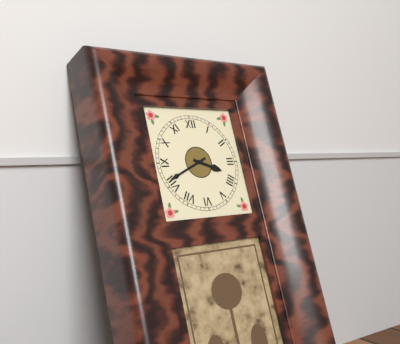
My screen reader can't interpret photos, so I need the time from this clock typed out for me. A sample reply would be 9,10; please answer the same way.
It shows 3,41
